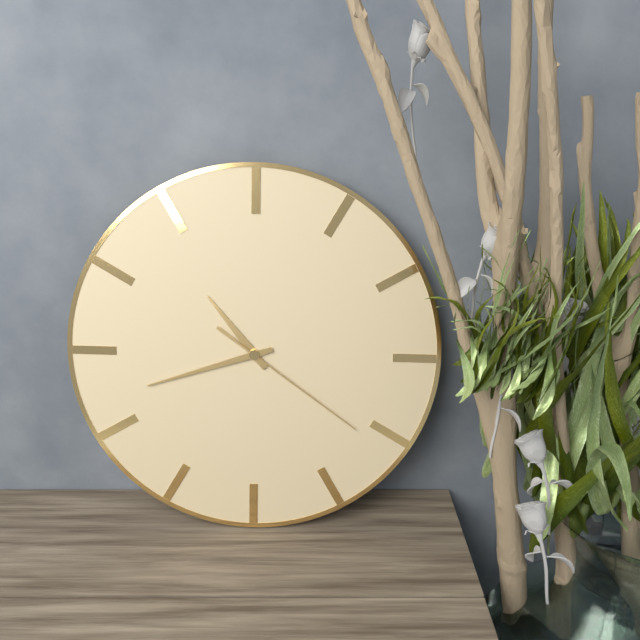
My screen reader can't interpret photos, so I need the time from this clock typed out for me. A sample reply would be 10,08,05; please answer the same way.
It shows 10,42,21
